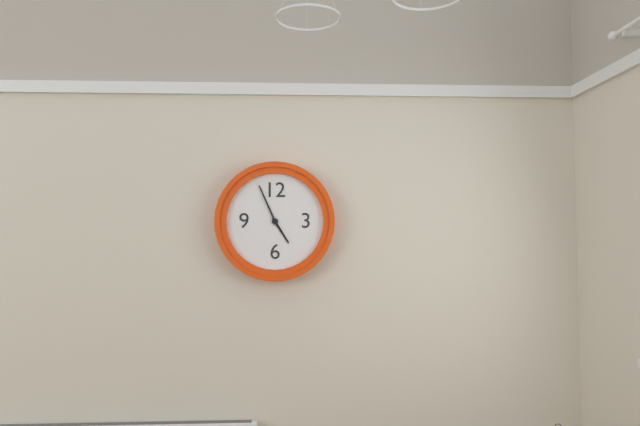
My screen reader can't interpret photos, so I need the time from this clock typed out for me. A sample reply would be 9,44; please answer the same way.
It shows 4,56
